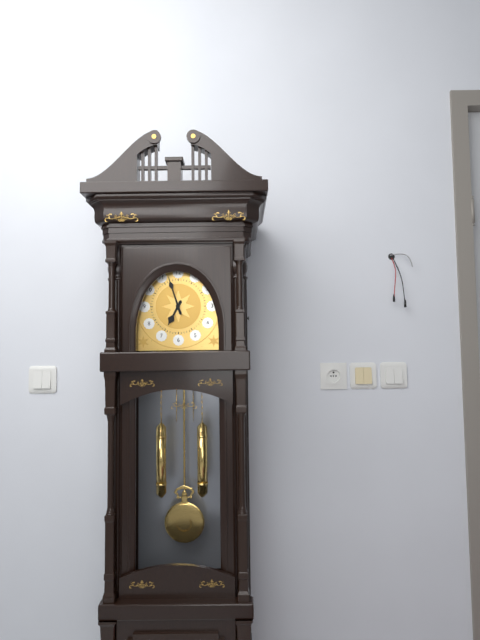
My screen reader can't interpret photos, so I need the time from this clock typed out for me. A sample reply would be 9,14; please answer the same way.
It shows 6,57
